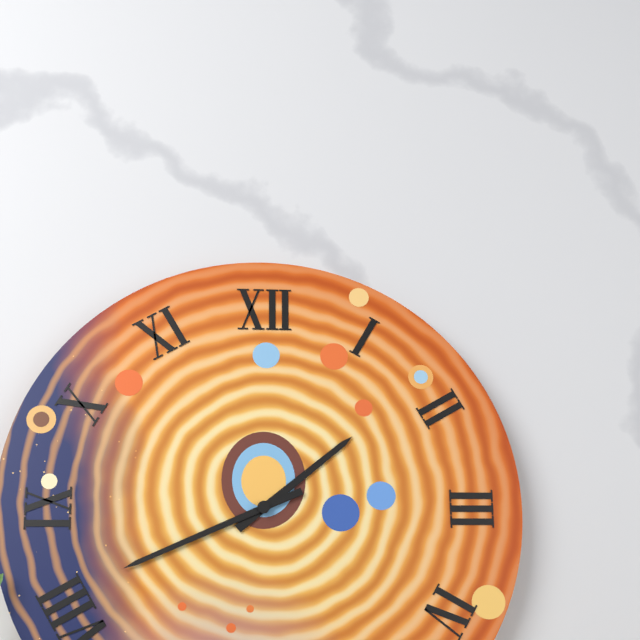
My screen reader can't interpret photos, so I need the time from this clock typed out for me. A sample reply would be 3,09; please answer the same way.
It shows 1,41
